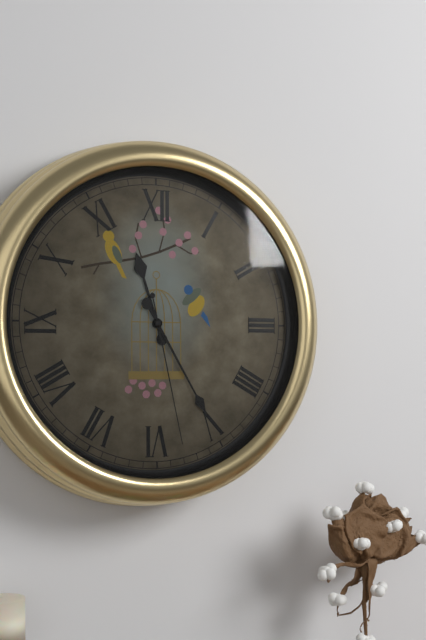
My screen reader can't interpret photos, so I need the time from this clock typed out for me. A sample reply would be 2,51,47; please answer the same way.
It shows 11,25,28
